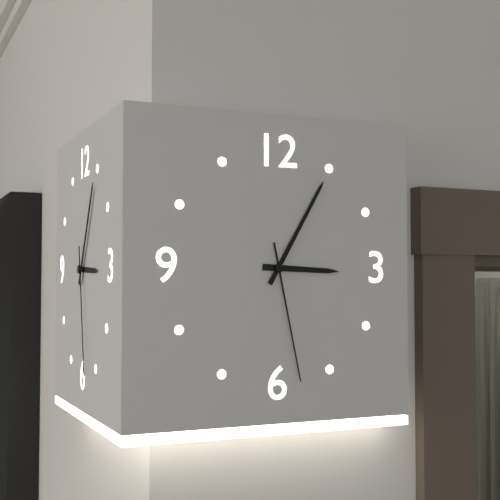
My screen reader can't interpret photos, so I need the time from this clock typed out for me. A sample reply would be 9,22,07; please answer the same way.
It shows 3,05,28
